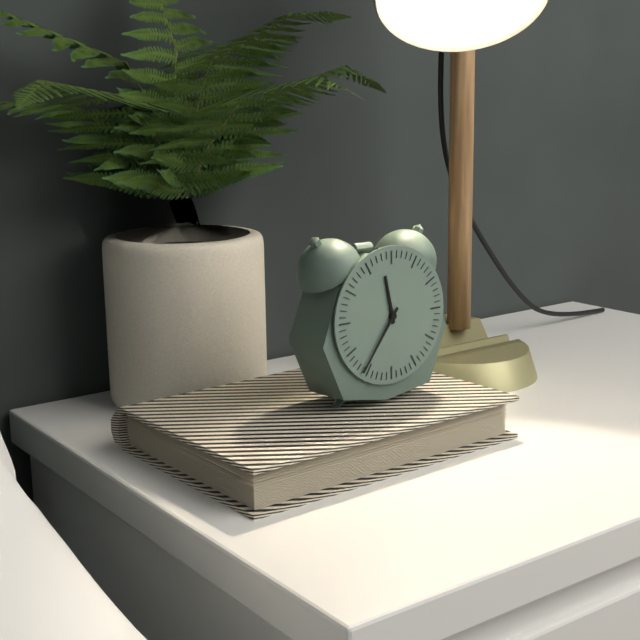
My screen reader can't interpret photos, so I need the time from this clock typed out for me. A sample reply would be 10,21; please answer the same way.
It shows 11,36
